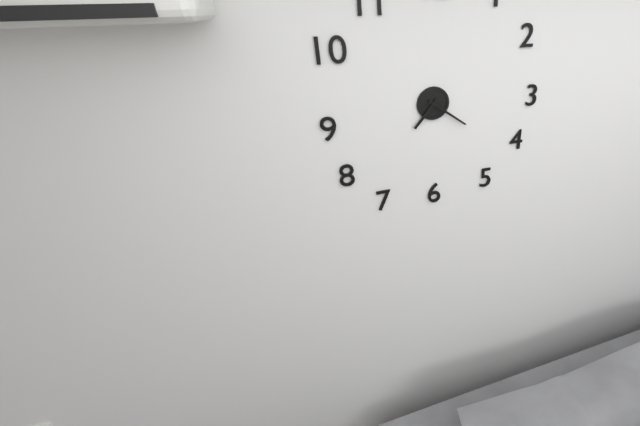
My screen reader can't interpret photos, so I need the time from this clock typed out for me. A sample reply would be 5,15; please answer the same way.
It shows 7,21
